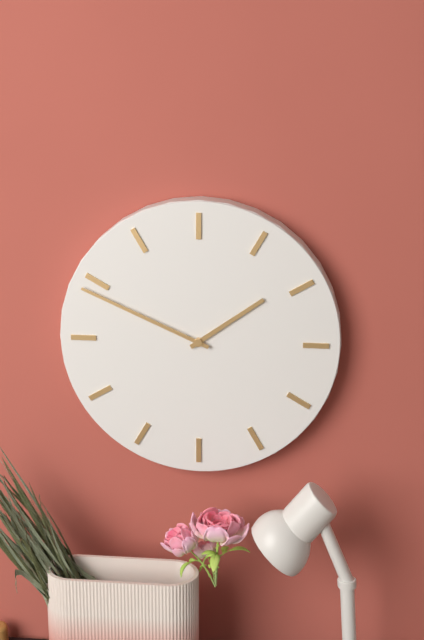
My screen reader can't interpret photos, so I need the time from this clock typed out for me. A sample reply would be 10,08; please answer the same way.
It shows 1,49
